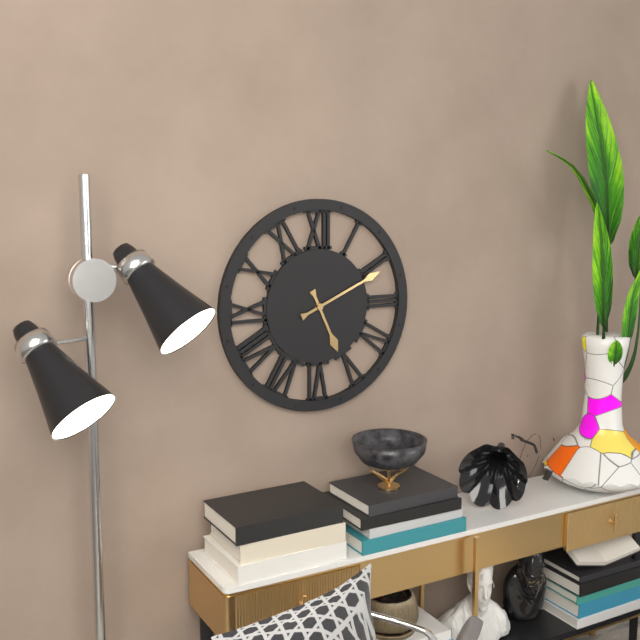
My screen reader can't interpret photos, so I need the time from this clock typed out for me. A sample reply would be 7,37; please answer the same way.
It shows 5,11
